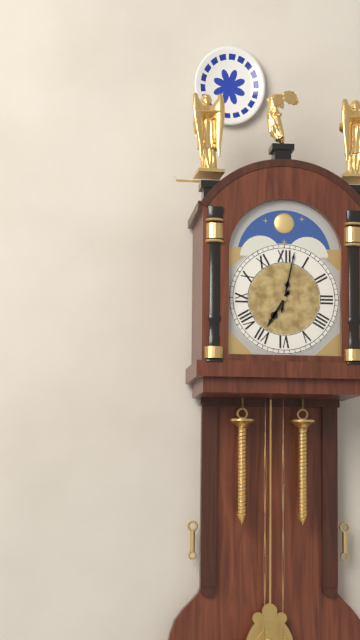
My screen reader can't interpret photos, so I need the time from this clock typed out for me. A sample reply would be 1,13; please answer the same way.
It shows 7,02
